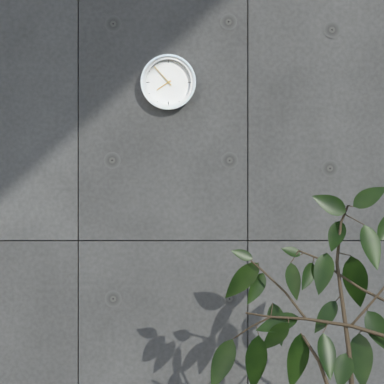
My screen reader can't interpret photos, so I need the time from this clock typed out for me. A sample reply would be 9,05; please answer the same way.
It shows 7,53
